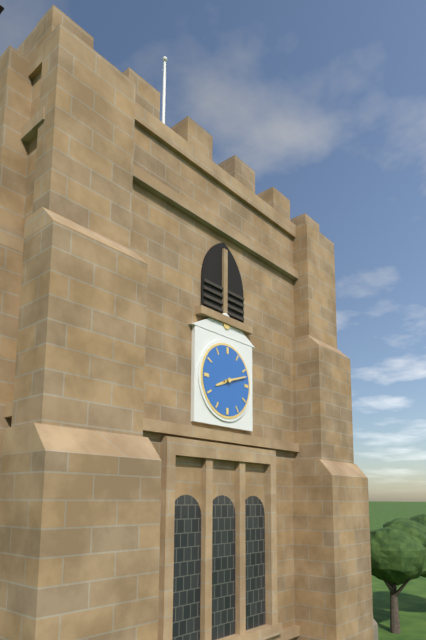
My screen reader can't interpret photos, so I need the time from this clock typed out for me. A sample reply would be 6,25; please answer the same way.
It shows 8,12
